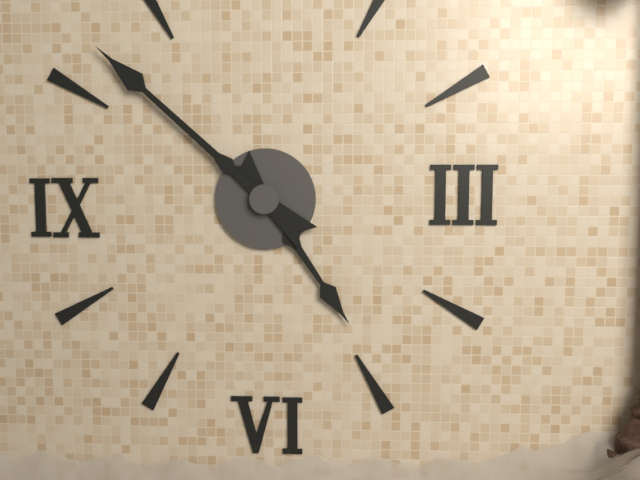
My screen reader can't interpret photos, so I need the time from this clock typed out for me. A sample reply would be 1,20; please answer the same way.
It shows 4,52
